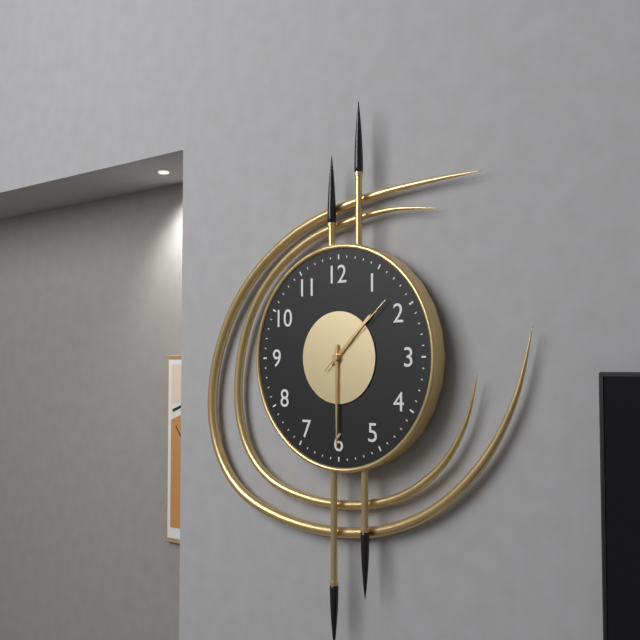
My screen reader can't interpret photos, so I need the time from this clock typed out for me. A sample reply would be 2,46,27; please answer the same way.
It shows 1,30,08
